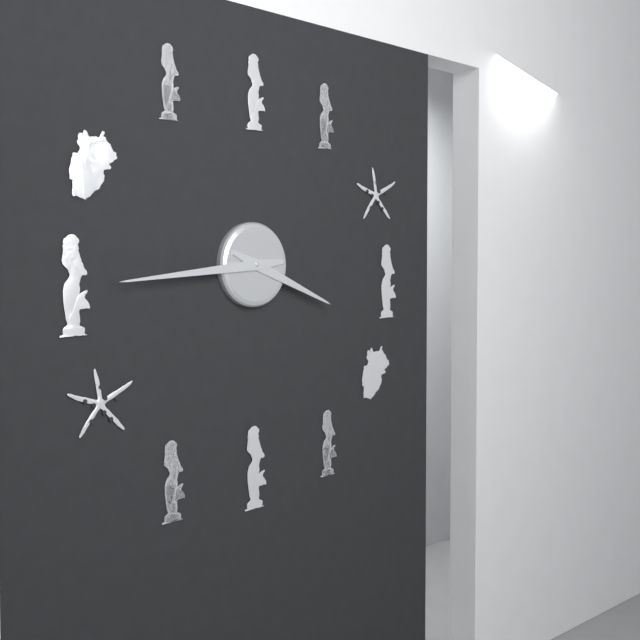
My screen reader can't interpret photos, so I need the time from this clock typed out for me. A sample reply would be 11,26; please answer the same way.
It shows 3,44
